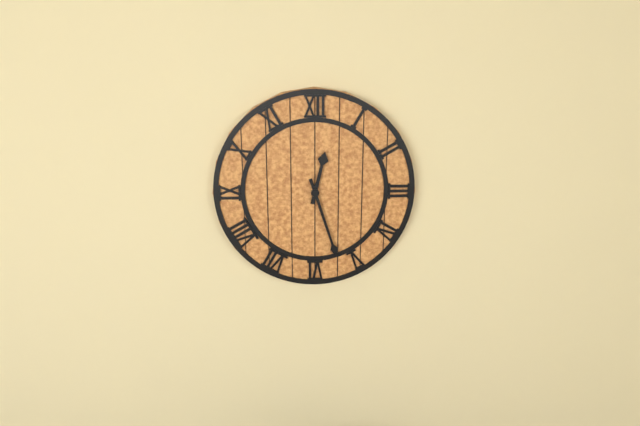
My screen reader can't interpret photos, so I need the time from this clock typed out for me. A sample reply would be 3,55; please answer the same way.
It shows 12,27
